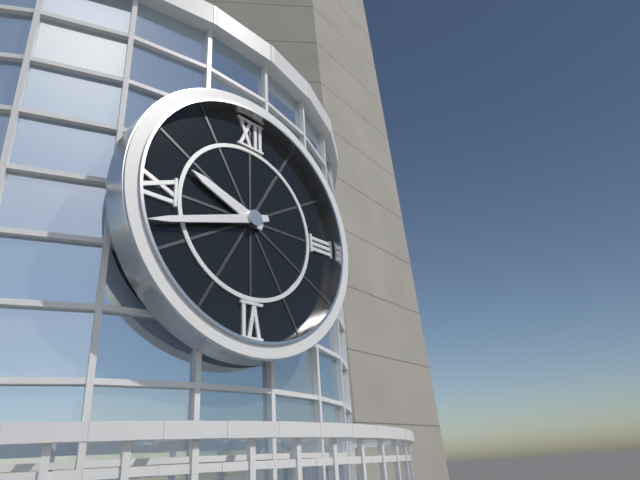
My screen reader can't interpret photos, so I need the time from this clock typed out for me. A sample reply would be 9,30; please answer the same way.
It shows 9,42
